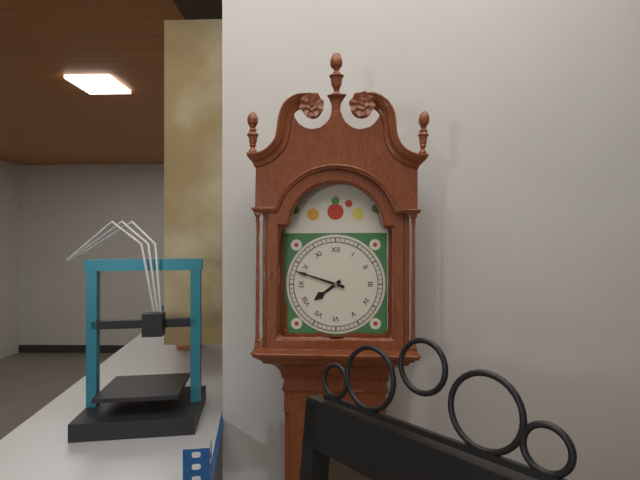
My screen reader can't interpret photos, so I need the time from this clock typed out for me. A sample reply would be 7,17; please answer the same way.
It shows 7,48
